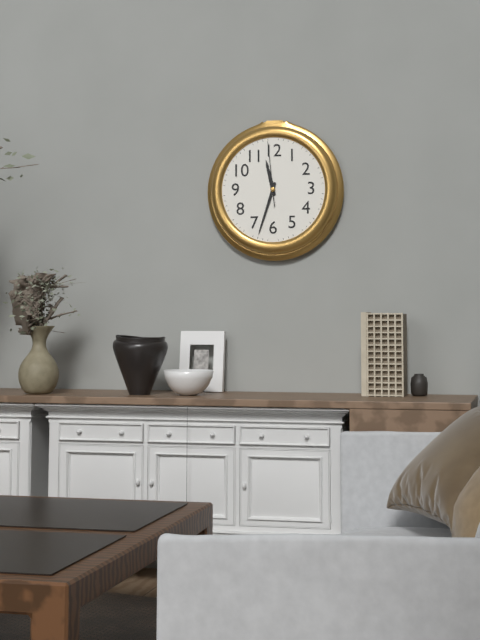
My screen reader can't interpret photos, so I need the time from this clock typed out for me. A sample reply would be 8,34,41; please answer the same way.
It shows 11,33,59
